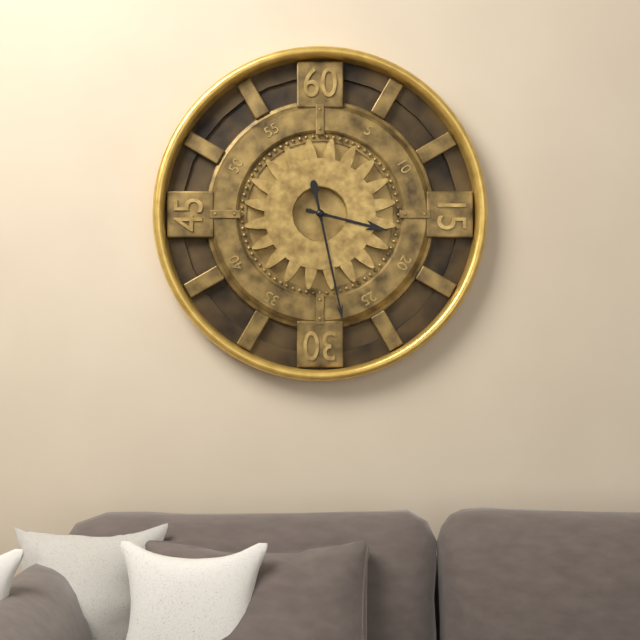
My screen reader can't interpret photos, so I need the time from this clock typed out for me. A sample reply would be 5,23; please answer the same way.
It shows 3,28
